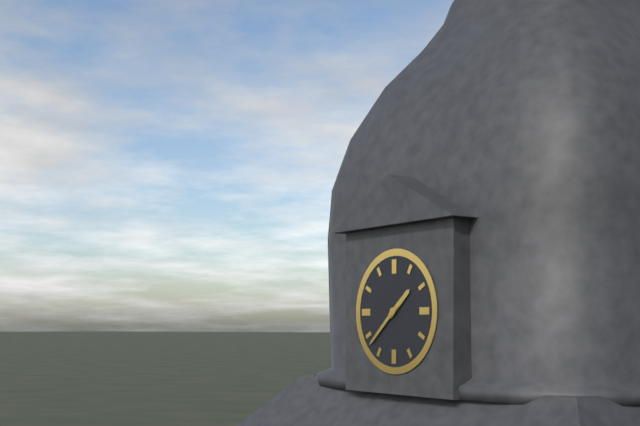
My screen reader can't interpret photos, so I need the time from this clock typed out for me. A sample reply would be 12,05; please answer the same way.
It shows 1,38
